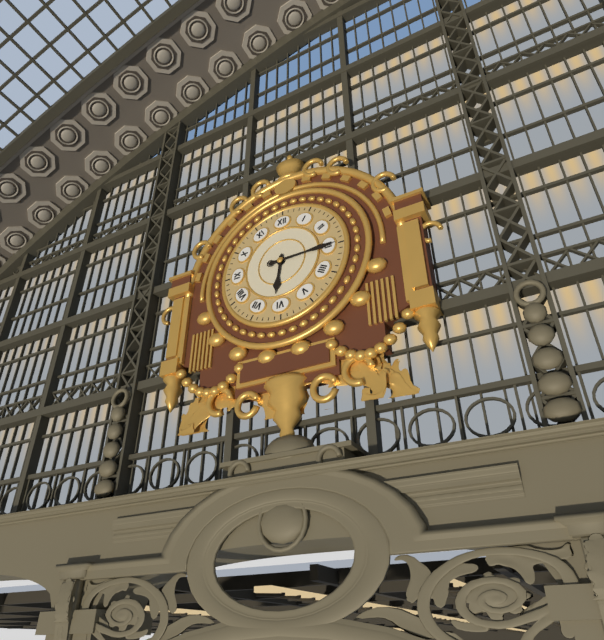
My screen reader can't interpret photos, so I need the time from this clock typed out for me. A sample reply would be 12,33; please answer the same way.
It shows 6,15
